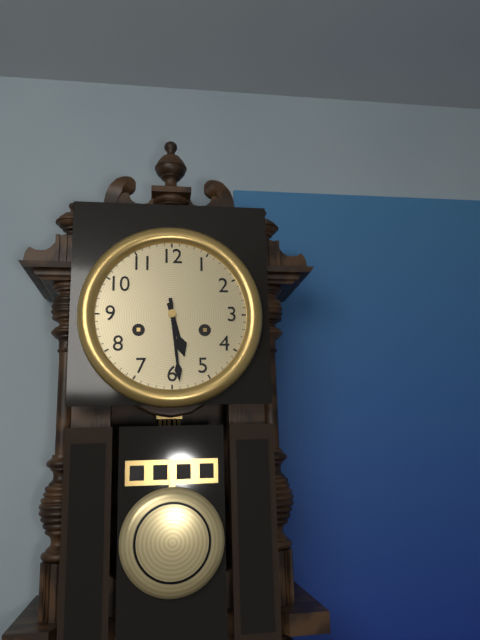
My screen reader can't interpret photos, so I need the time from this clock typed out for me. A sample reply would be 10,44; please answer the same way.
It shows 5,29
